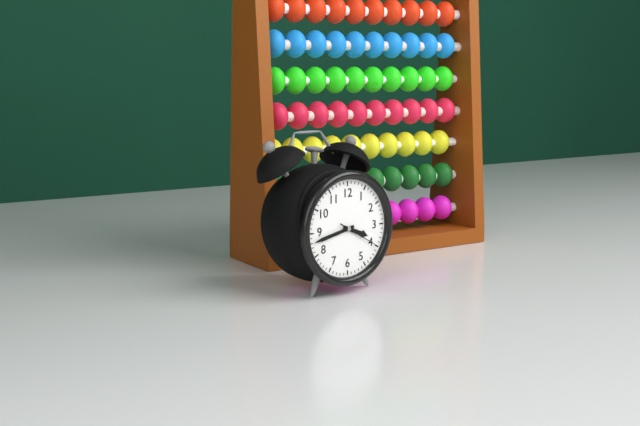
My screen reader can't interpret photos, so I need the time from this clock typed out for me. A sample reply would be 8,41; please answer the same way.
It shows 3,43
